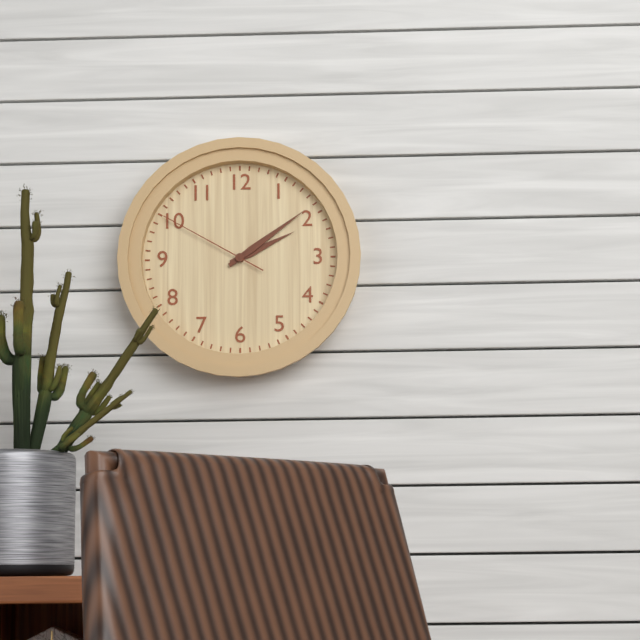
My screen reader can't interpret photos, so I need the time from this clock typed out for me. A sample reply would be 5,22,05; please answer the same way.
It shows 2,09,50
